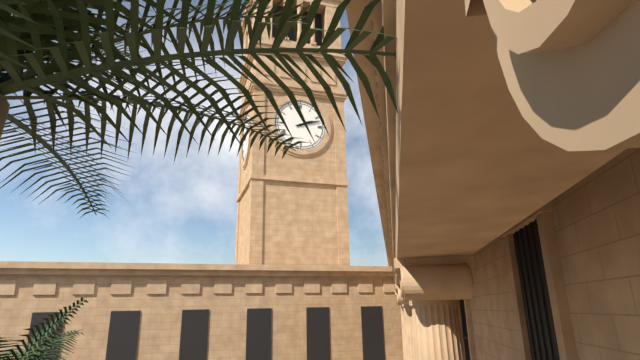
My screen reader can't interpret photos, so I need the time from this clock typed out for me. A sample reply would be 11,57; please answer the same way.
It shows 2,12
